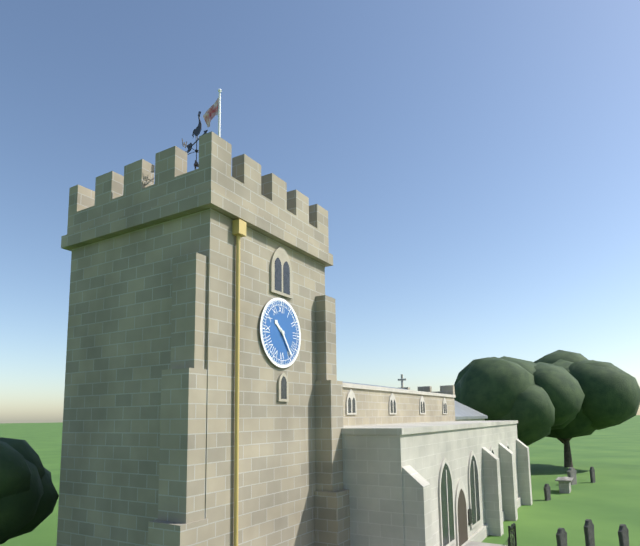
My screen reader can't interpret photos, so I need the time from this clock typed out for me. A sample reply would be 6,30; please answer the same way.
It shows 10,24
